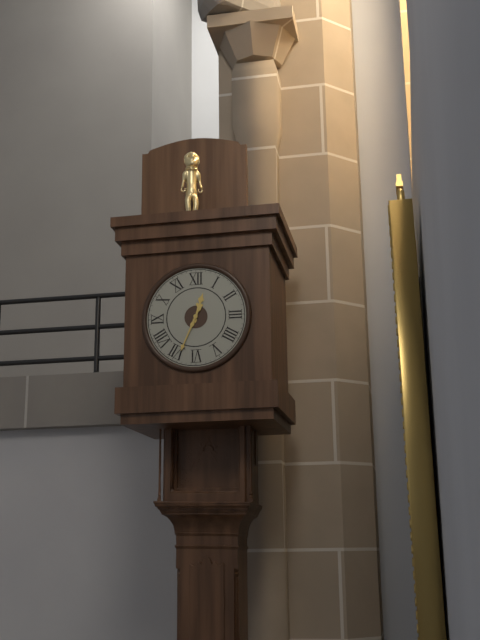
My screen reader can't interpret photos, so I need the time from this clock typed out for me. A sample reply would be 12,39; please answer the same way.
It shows 12,34
